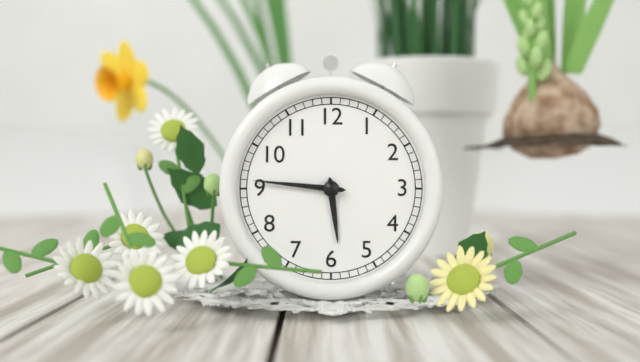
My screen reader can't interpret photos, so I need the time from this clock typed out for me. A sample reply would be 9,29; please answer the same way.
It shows 5,46
